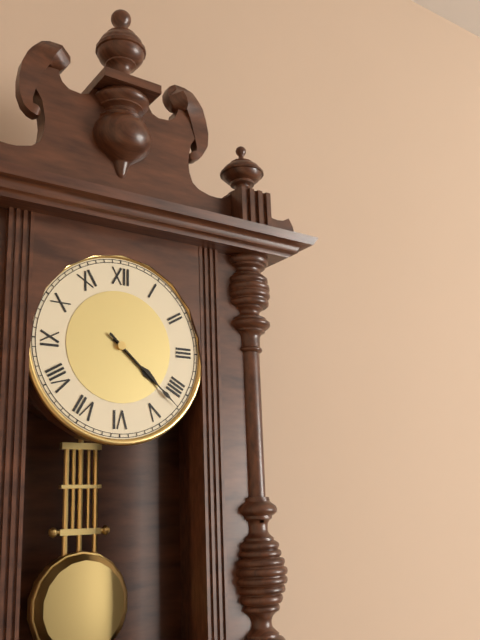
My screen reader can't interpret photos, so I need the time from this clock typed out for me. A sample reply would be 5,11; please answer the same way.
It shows 4,22
